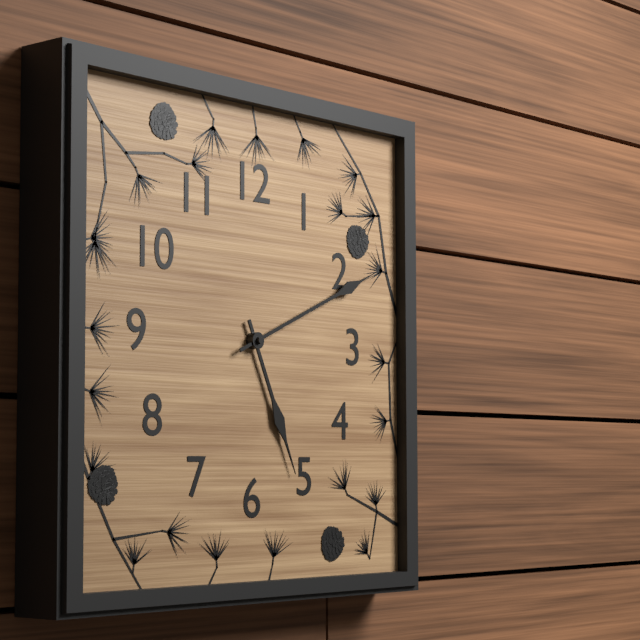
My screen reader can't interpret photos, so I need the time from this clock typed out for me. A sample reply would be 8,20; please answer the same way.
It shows 5,11
